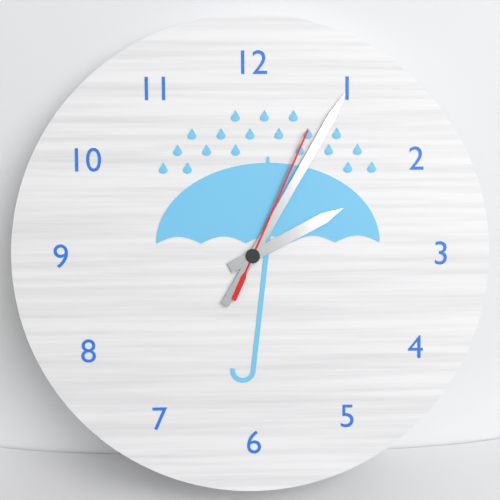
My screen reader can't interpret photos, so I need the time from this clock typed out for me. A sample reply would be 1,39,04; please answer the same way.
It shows 2,05,04
